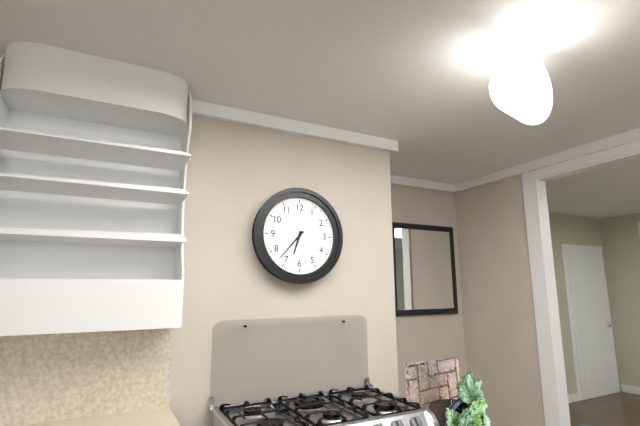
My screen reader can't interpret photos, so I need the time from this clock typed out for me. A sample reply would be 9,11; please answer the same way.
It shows 6,37
